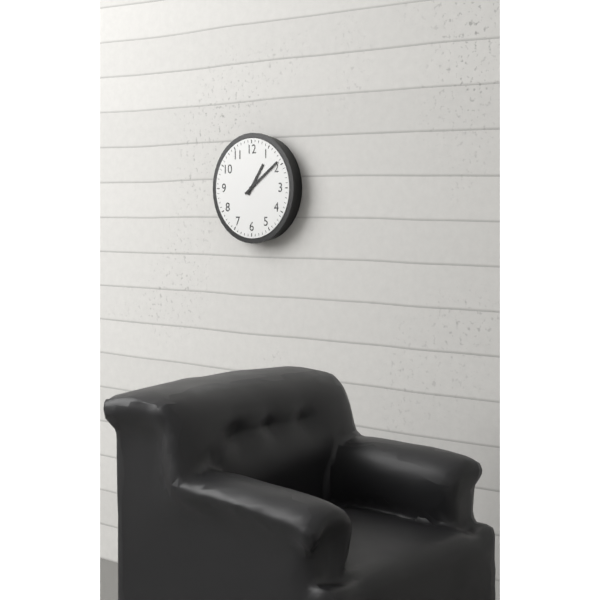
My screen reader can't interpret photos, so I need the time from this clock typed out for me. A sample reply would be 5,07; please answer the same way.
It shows 1,09
